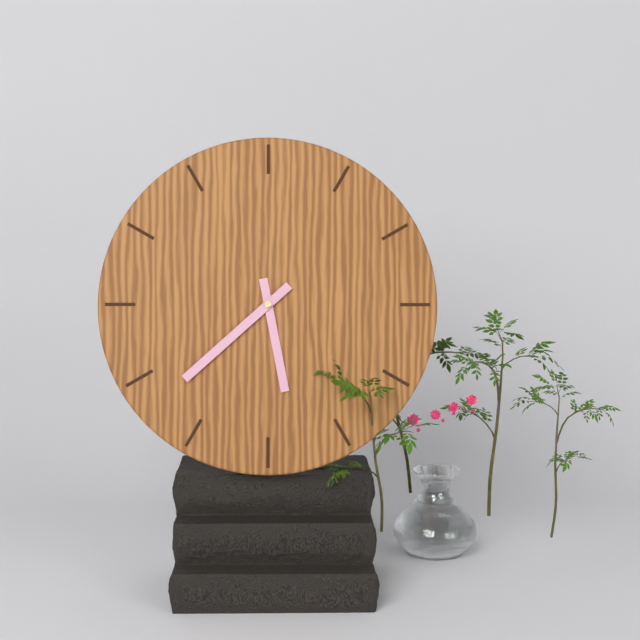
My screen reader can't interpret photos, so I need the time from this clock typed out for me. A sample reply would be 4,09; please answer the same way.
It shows 5,38
